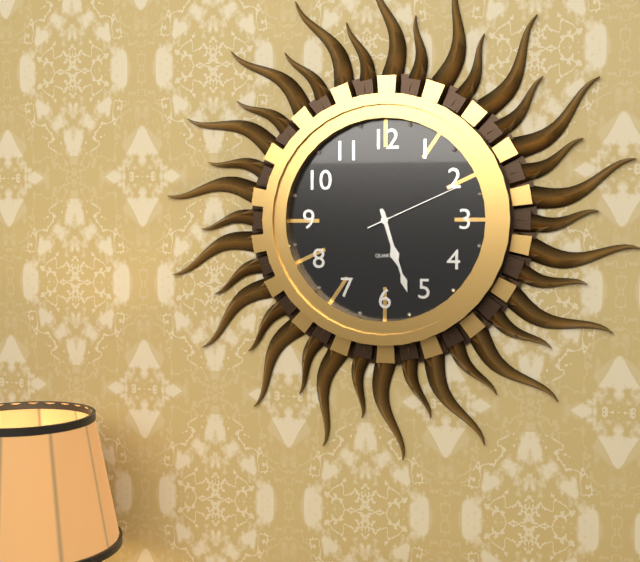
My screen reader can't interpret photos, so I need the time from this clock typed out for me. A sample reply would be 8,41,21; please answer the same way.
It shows 5,27,11
